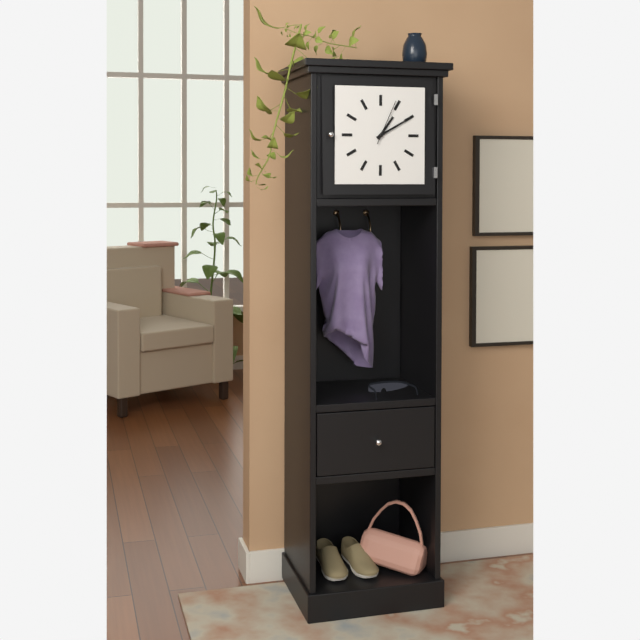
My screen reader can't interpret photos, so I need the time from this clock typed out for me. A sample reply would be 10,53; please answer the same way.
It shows 1,10
